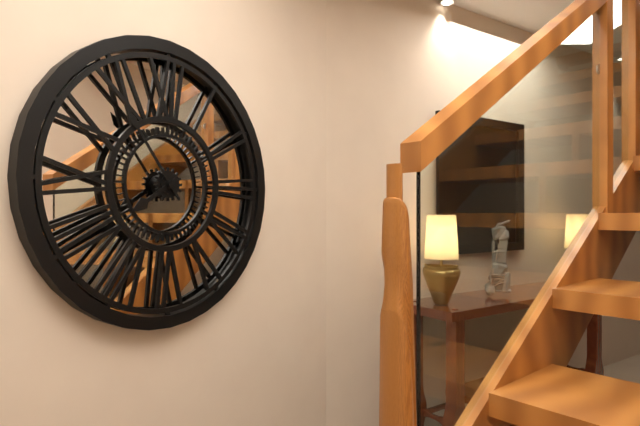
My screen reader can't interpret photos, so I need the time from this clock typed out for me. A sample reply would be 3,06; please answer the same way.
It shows 7,54
